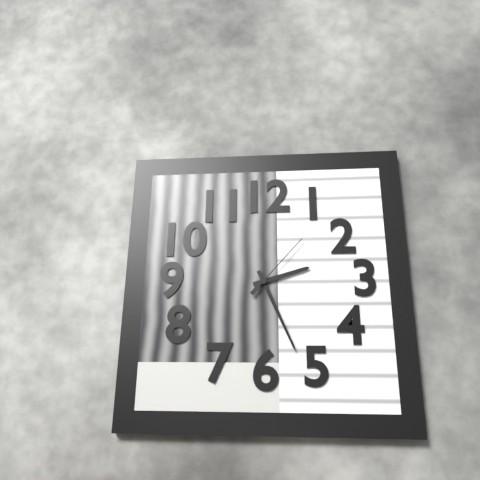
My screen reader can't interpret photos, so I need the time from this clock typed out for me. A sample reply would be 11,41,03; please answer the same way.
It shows 2,26,07
